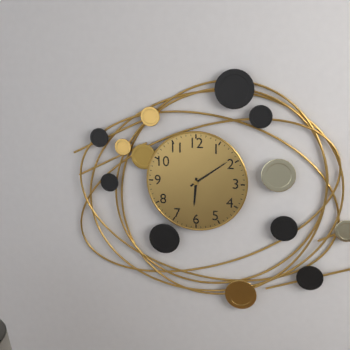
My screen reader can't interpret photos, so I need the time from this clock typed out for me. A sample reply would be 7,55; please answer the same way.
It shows 6,09
